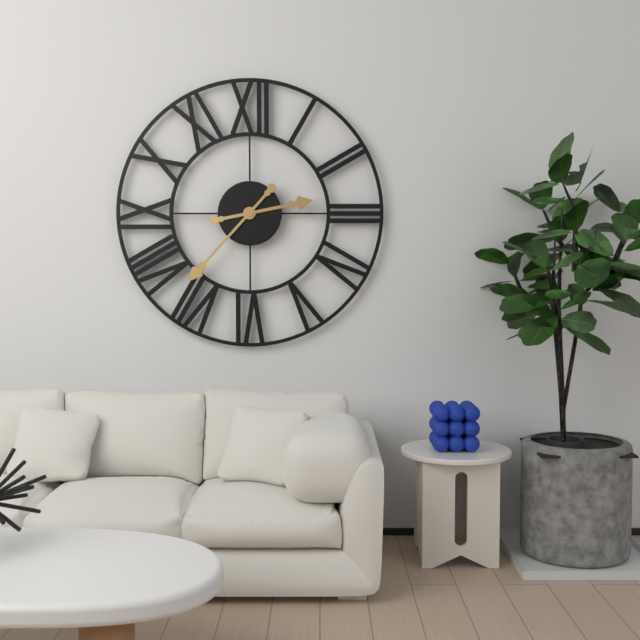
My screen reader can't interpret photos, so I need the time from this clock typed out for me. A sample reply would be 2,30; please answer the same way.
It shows 2,37
